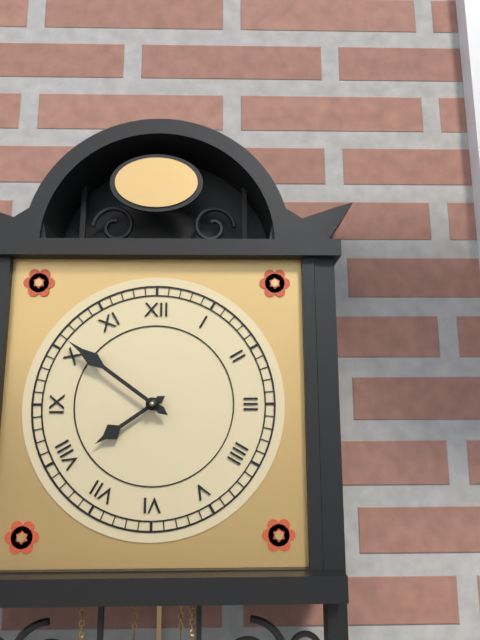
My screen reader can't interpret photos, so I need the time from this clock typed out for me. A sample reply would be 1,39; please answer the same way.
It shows 7,51
